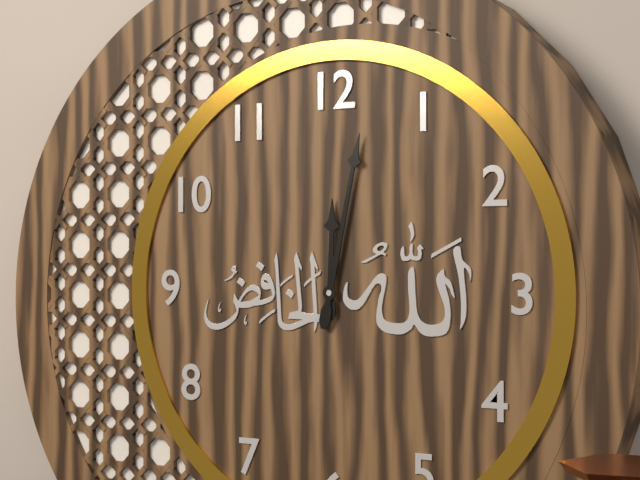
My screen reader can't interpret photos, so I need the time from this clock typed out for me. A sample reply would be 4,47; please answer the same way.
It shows 12,02
